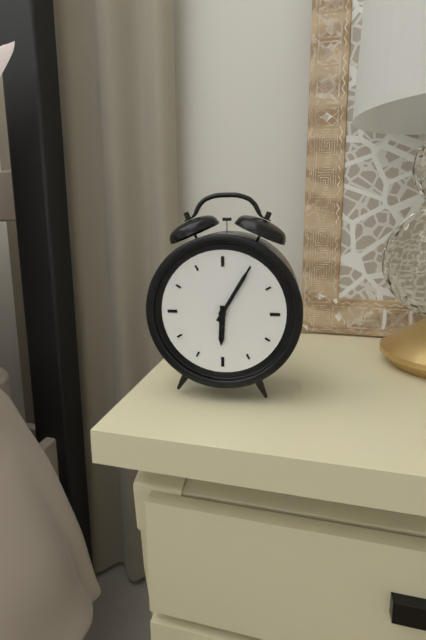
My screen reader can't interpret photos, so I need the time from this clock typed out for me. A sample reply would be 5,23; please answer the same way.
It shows 6,05
